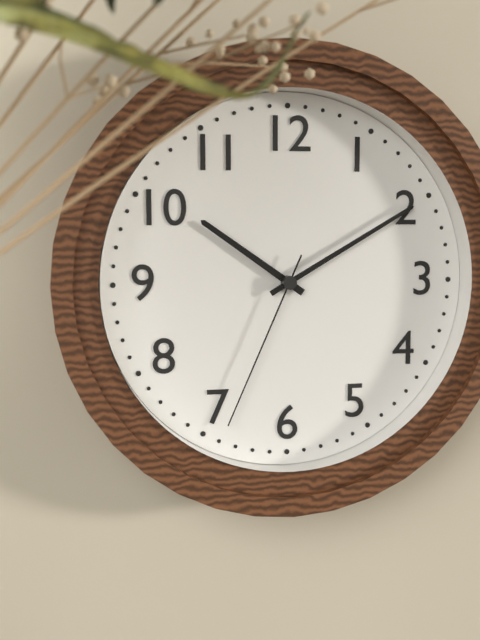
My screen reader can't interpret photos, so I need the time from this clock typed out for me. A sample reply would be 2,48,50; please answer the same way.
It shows 10,10,34
